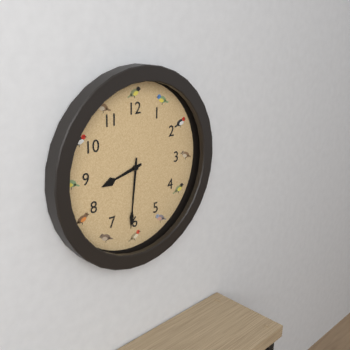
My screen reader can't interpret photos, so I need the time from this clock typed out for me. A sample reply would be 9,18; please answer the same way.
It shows 8,31
